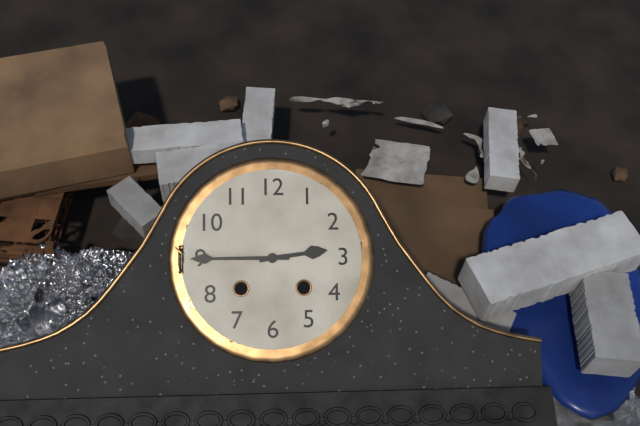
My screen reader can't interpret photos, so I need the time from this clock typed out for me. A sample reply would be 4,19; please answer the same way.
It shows 2,45
